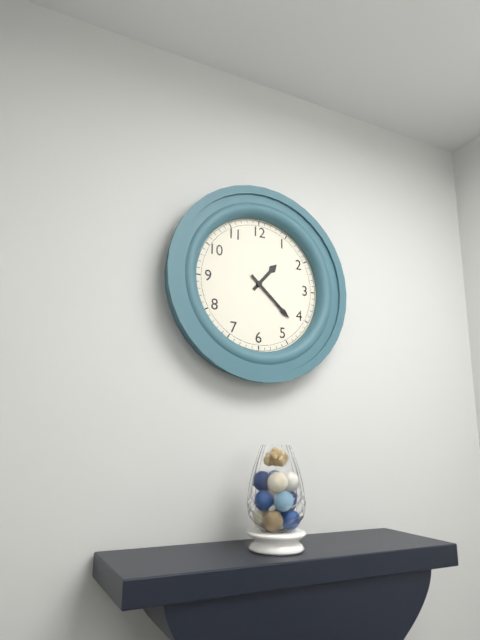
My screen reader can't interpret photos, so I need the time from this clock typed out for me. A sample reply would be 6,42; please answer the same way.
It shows 1,22
